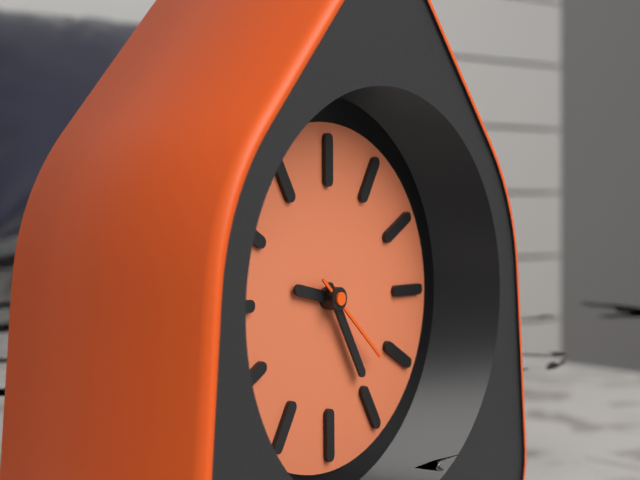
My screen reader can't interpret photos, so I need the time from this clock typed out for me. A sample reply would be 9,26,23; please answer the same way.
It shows 9,25,22
